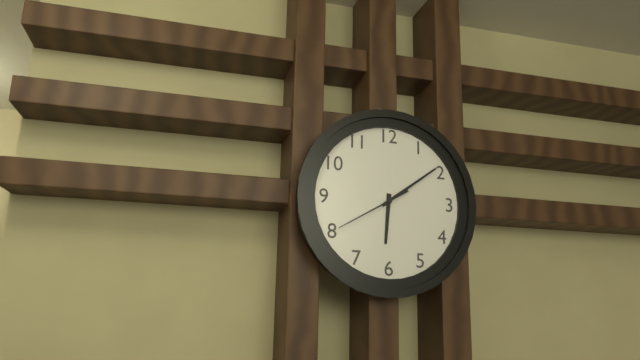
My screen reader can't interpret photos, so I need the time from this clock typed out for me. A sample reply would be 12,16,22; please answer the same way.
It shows 6,09,40
